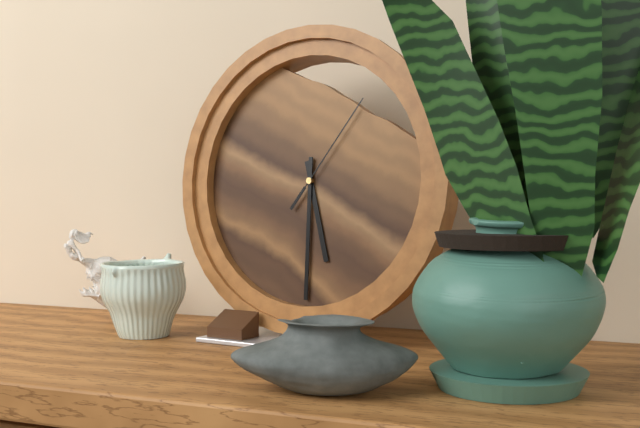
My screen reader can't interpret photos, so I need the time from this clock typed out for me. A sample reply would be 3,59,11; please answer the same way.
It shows 5,30,06
